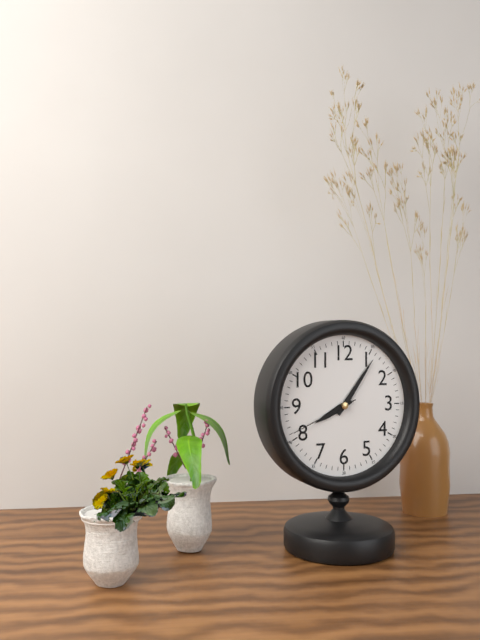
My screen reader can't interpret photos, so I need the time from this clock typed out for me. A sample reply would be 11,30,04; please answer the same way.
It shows 8,06,41
